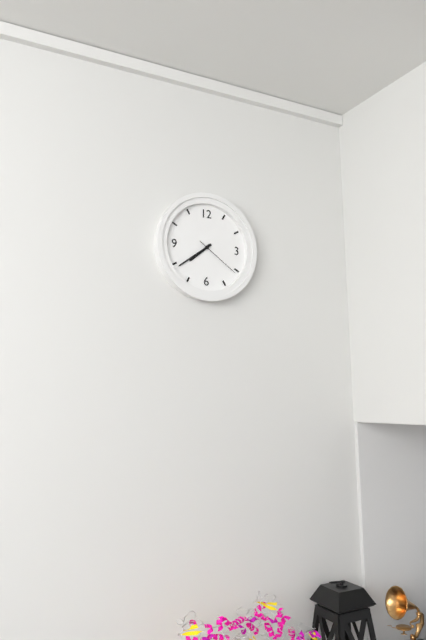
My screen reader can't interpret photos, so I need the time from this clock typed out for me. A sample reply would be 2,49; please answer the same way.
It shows 7,39
